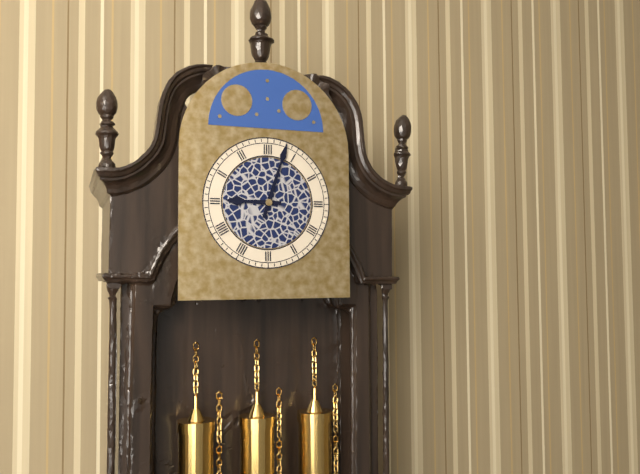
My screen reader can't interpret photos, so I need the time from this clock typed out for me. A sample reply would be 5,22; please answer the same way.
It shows 9,03
